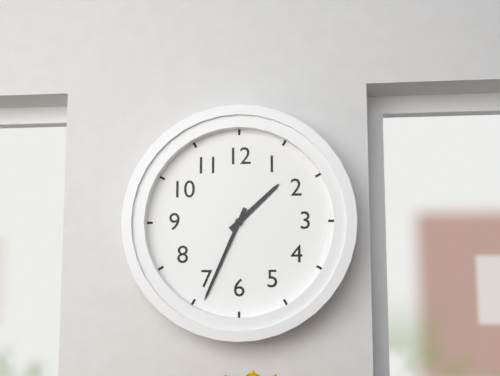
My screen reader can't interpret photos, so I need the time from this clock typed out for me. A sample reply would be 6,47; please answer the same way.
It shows 1,34
